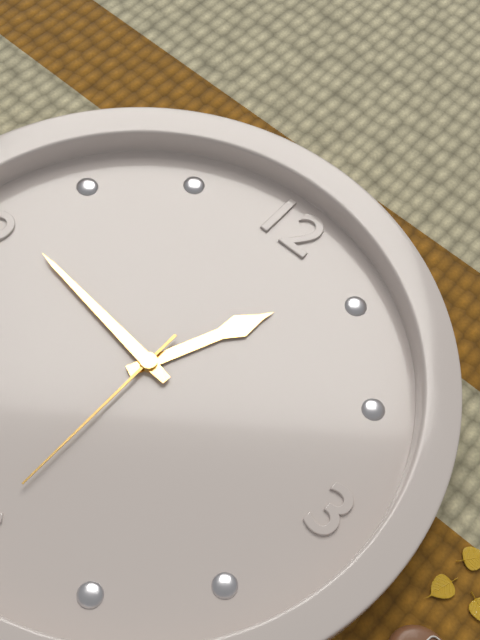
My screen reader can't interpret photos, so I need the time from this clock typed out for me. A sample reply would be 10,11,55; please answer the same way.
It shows 12,46,30
